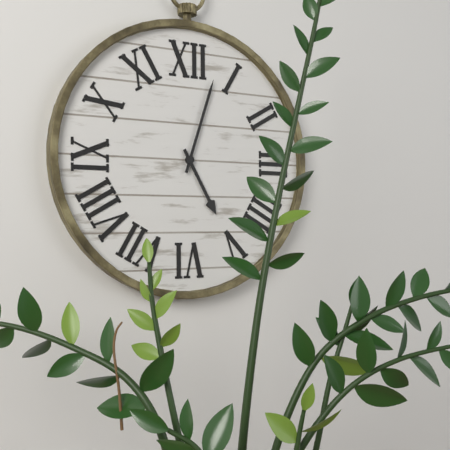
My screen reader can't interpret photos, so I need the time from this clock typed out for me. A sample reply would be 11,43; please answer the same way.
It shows 5,03
